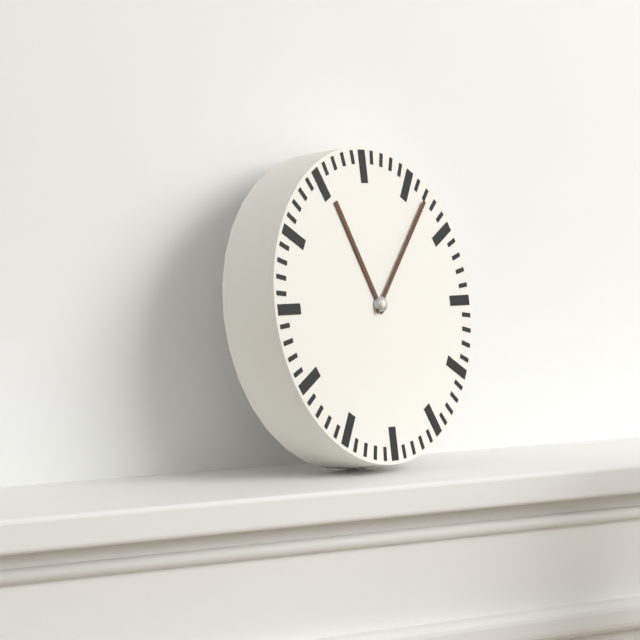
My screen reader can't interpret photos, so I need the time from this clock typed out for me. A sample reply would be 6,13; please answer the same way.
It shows 11,07
